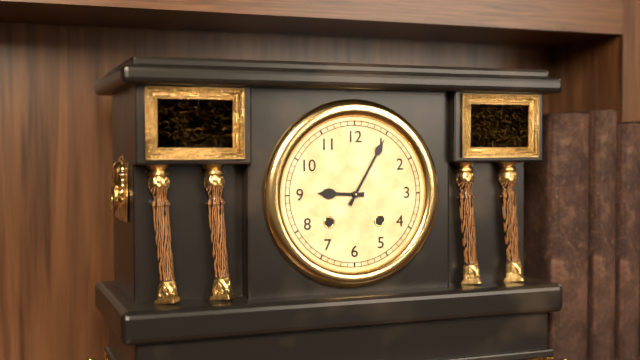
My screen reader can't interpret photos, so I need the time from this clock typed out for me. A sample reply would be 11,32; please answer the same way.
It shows 9,05
